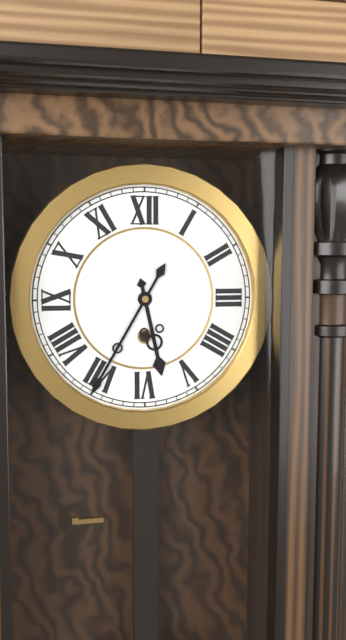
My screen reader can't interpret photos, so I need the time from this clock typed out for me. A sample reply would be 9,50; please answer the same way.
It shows 5,35
